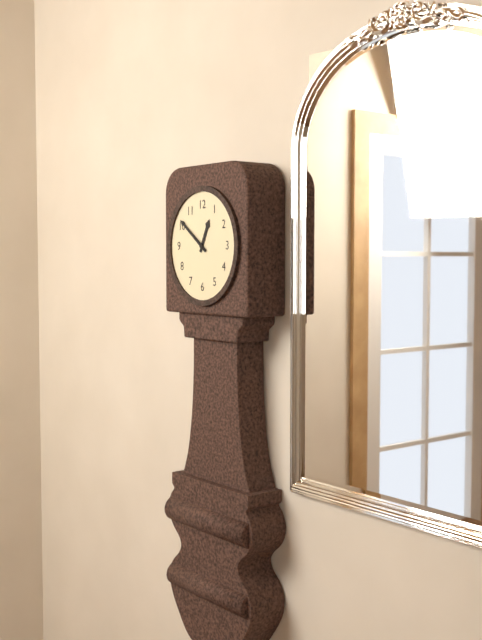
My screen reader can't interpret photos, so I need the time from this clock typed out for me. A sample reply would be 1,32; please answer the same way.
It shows 12,51
